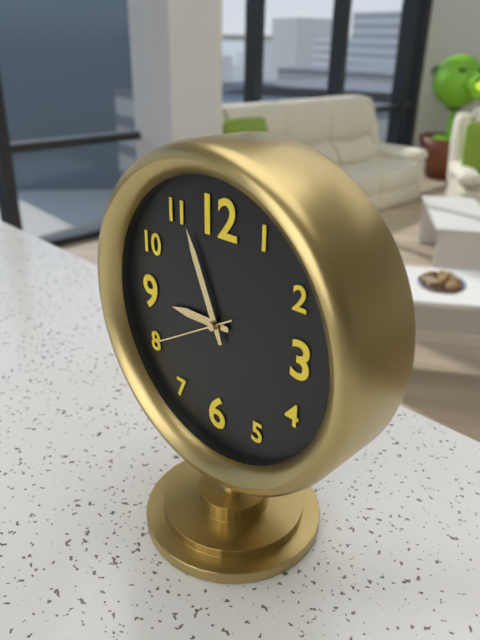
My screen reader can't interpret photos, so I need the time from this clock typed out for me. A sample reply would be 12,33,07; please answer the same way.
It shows 8,56,40
